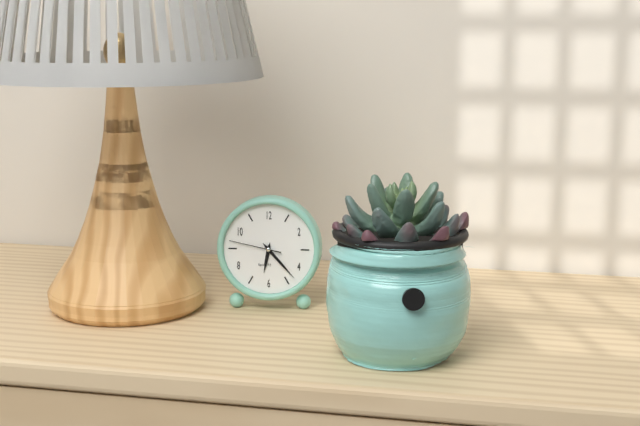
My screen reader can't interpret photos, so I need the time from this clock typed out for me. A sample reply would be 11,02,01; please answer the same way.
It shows 6,23,47
